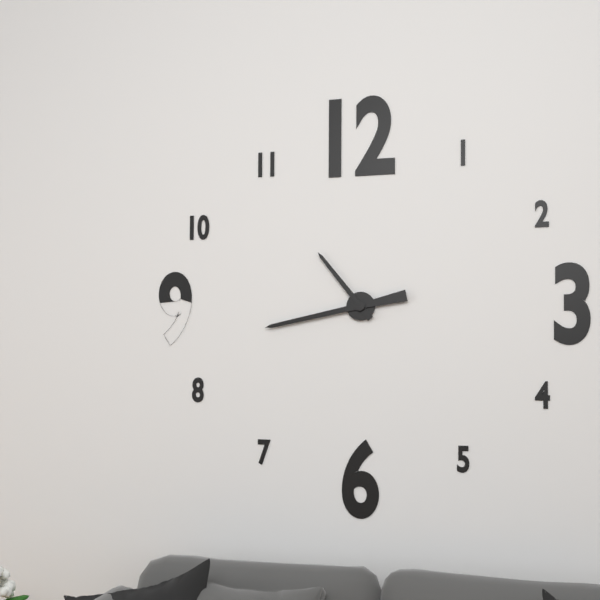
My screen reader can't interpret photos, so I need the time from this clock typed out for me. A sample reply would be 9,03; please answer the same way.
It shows 10,43
